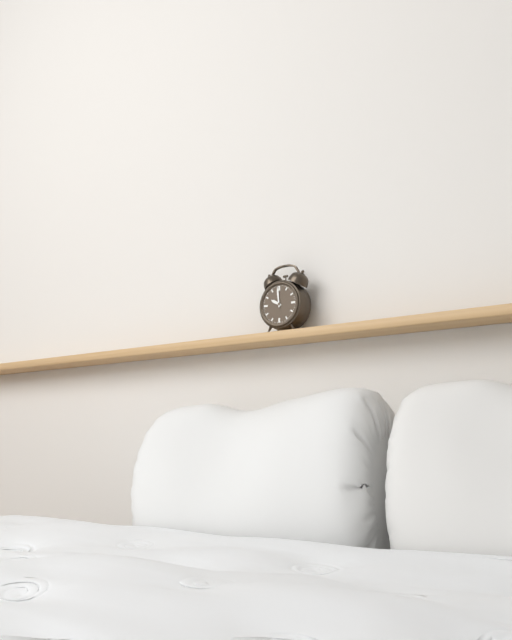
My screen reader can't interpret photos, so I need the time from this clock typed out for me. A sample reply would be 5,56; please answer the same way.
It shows 9,59
